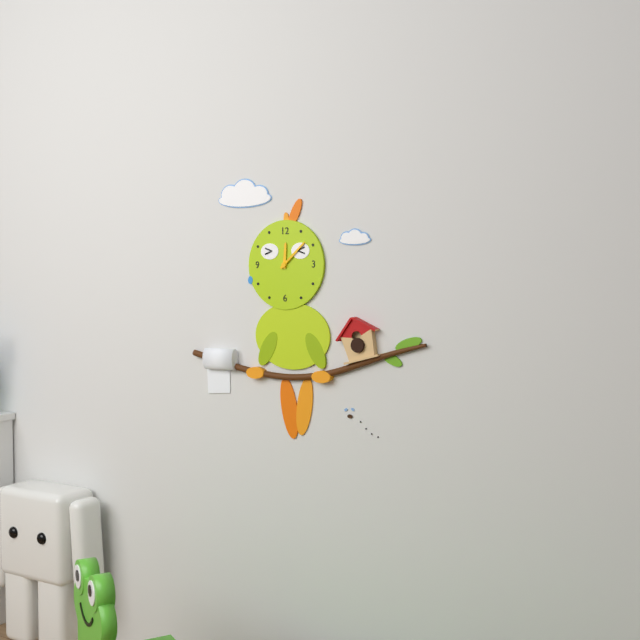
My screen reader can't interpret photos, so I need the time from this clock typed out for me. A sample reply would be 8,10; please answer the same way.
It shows 12,08
